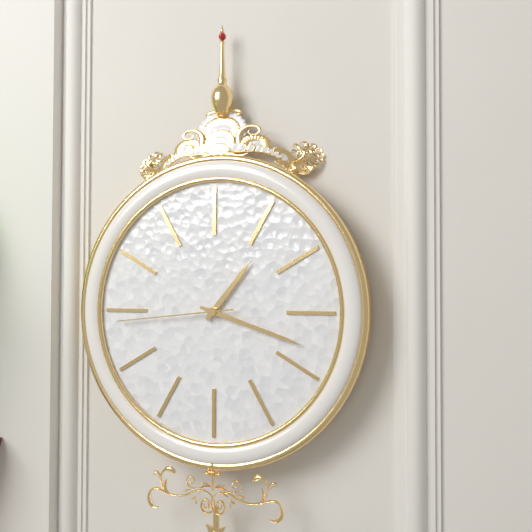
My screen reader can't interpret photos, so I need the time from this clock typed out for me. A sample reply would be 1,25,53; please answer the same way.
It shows 1,18,44
